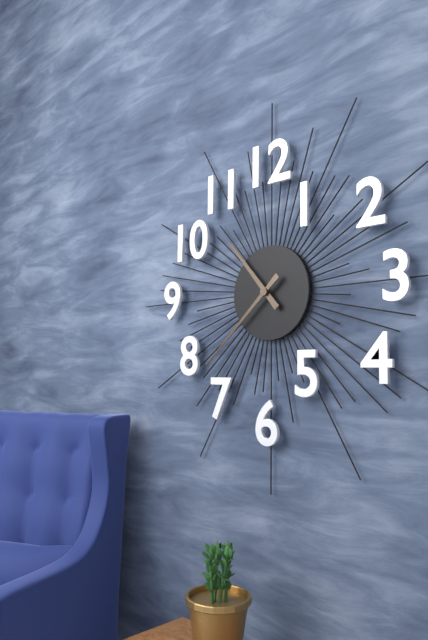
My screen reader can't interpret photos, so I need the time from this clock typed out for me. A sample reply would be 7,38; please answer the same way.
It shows 10,38
